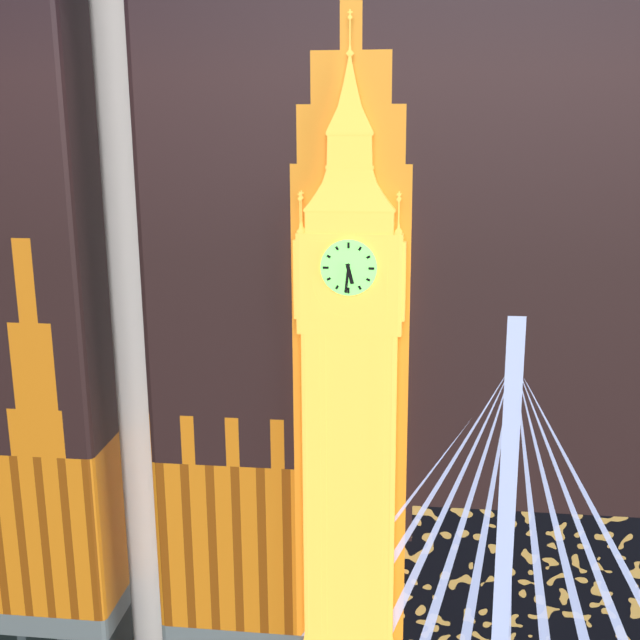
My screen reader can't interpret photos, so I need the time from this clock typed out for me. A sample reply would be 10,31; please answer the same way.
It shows 5,31
